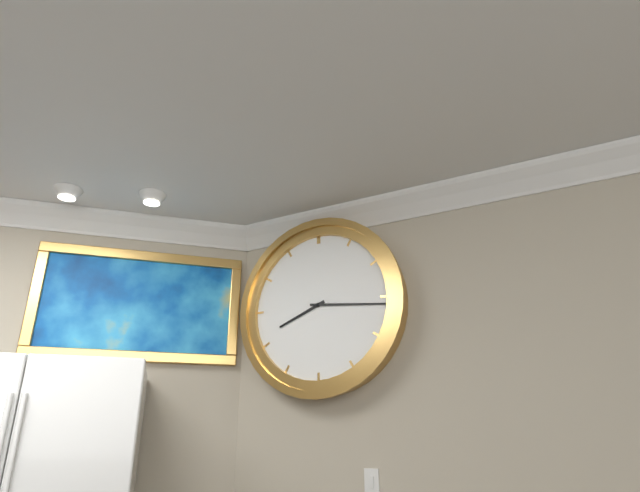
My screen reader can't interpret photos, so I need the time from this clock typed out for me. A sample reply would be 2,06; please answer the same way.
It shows 8,16
